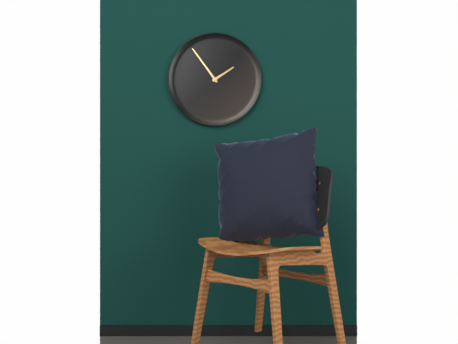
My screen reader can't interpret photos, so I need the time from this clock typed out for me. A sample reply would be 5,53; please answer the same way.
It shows 1,54
